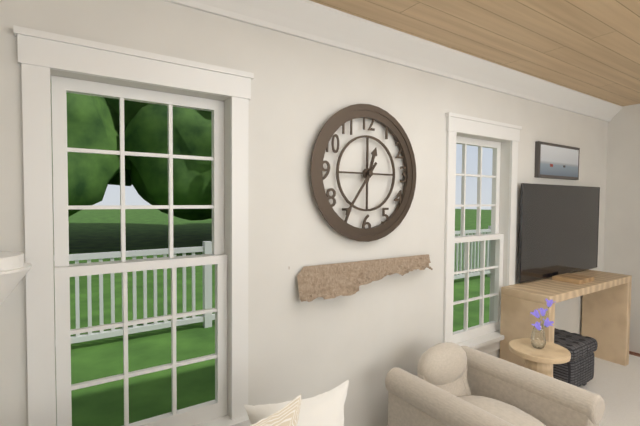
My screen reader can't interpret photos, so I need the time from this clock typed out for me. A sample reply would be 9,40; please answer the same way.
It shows 12,36
